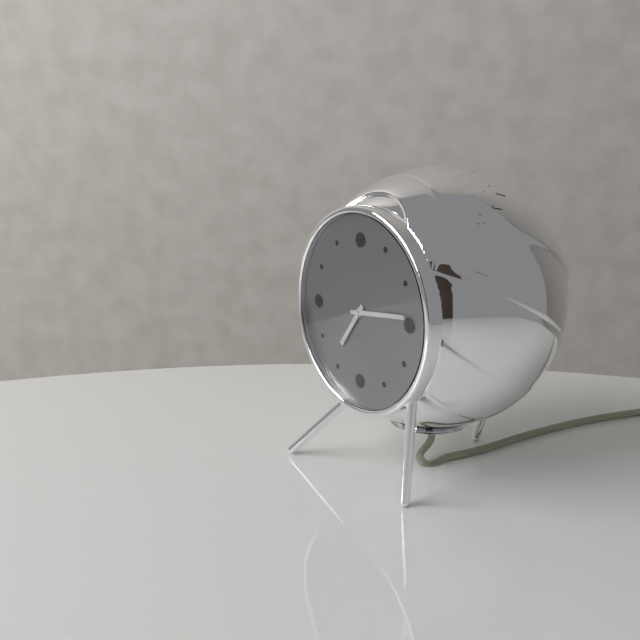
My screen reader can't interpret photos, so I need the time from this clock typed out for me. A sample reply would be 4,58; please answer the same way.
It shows 7,14
